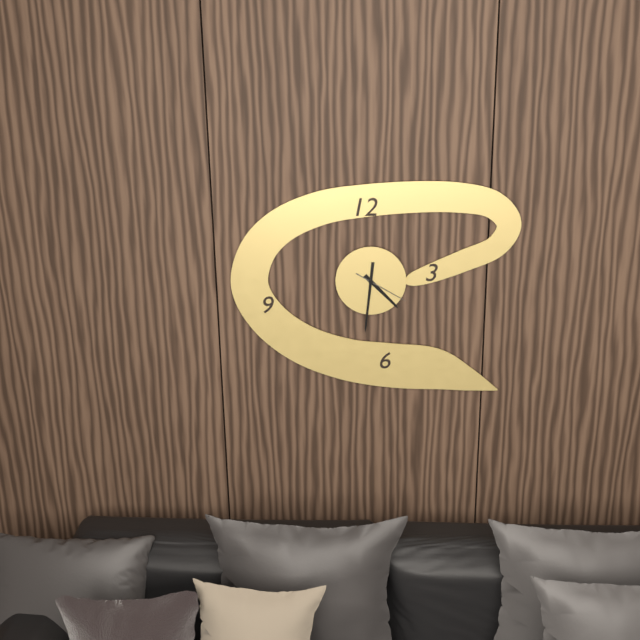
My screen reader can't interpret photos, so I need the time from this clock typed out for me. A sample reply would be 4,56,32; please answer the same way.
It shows 4,31,20
